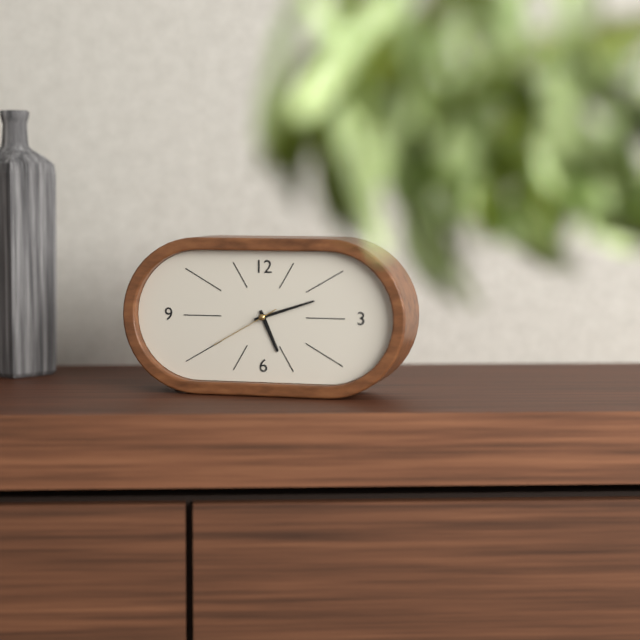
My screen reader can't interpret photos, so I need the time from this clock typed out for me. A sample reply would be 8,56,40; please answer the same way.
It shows 5,12,40
